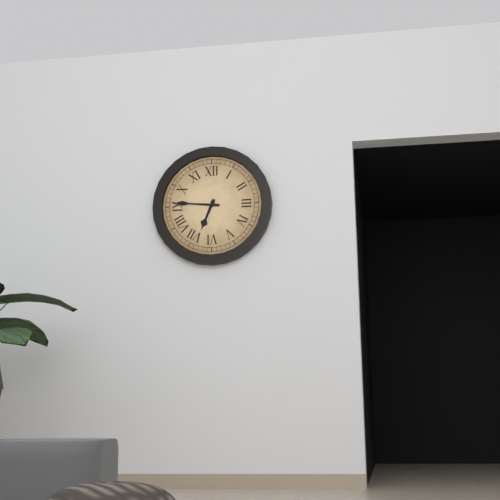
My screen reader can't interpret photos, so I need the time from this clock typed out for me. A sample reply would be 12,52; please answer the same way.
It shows 6,46
